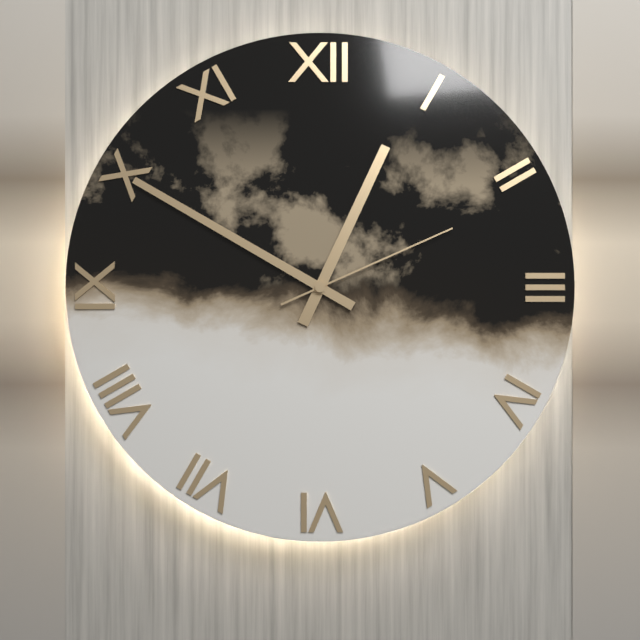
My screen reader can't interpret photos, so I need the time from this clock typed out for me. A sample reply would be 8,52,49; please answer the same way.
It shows 12,50,11
